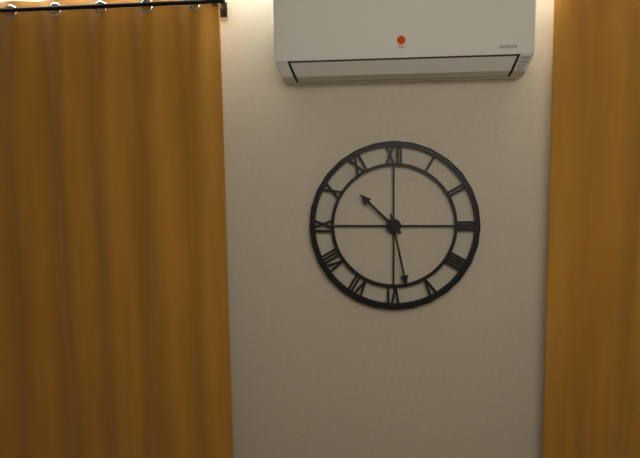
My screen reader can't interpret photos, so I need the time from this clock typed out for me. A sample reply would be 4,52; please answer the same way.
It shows 10,28
